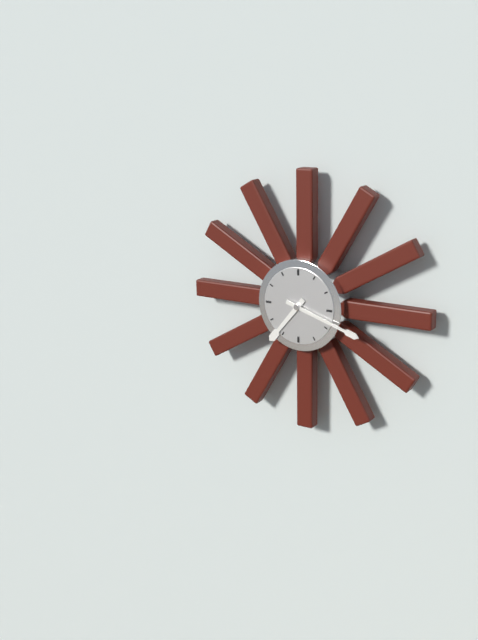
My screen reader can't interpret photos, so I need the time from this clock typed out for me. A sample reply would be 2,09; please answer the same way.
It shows 7,18
